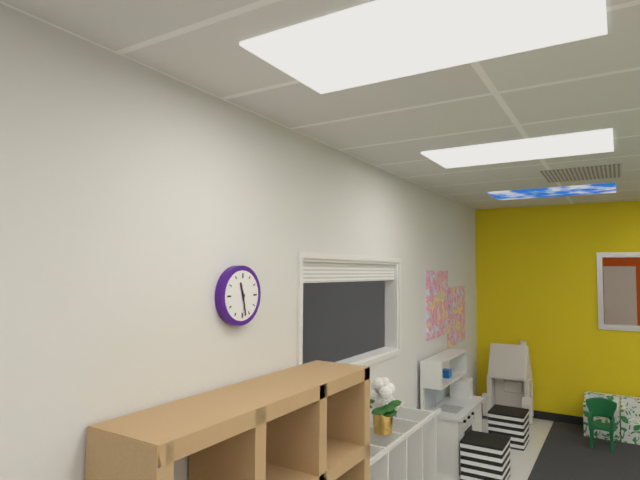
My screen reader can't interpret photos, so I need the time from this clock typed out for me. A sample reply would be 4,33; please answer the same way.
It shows 11,28
